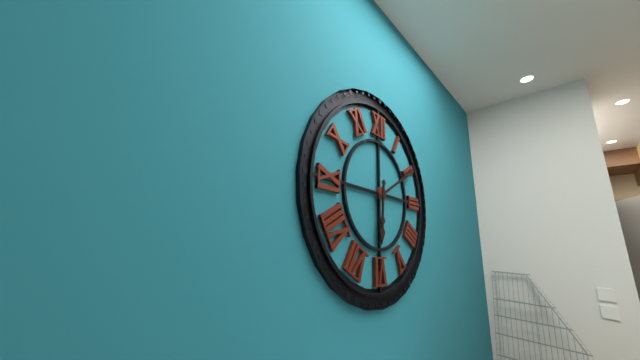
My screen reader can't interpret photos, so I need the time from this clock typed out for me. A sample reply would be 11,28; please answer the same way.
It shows 6,10
